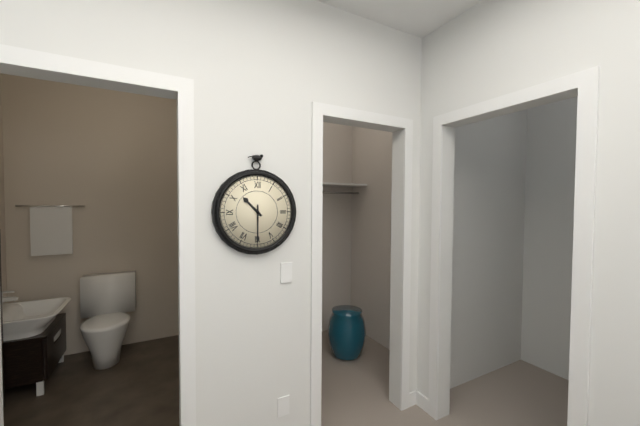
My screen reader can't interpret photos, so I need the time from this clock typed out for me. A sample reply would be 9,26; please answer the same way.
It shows 10,30
